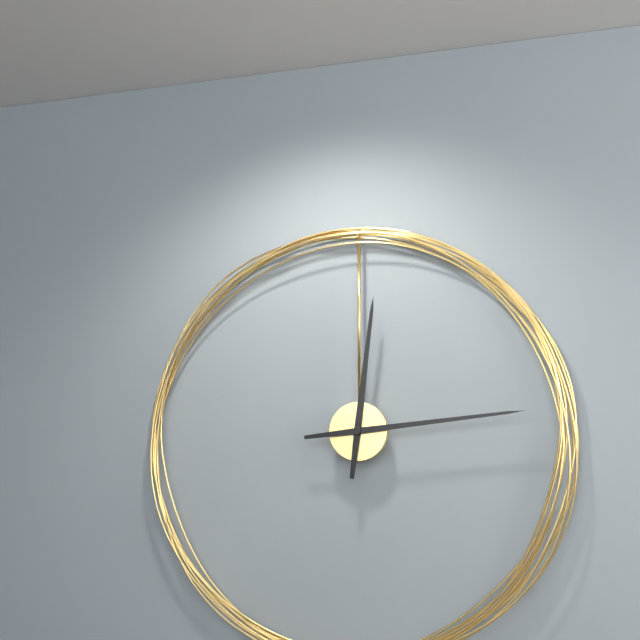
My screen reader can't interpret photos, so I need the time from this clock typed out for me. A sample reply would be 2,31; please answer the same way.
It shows 12,14
